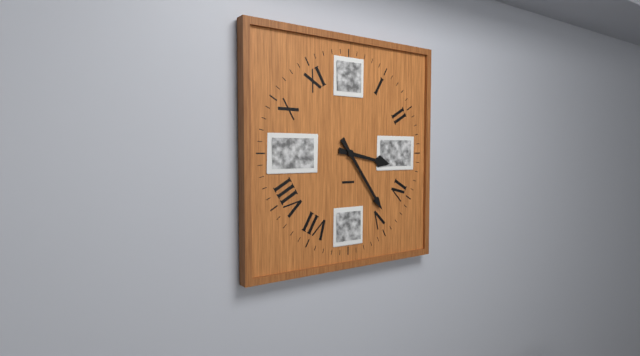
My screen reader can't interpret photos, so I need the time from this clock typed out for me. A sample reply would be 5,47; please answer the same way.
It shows 3,24
